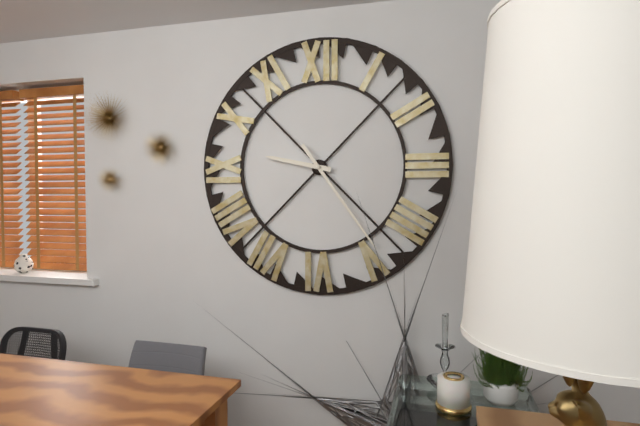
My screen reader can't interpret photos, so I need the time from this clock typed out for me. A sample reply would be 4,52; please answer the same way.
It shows 9,24
